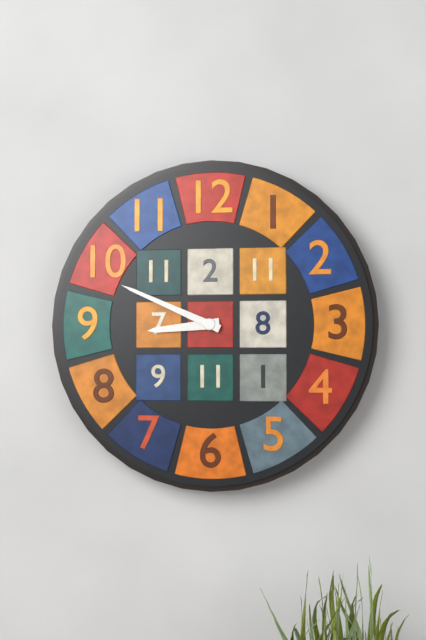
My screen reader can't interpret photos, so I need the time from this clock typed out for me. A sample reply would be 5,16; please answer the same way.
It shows 8,49
